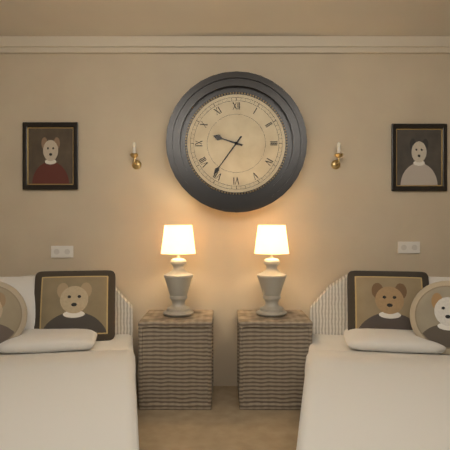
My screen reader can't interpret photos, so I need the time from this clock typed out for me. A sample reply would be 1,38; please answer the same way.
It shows 9,36
